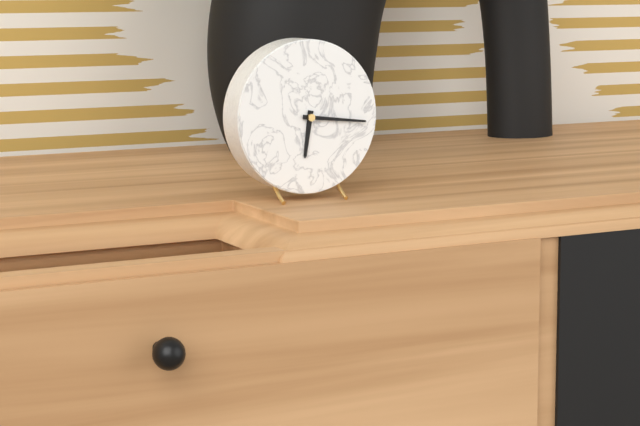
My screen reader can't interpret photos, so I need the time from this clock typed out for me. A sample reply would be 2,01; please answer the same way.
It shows 6,16
